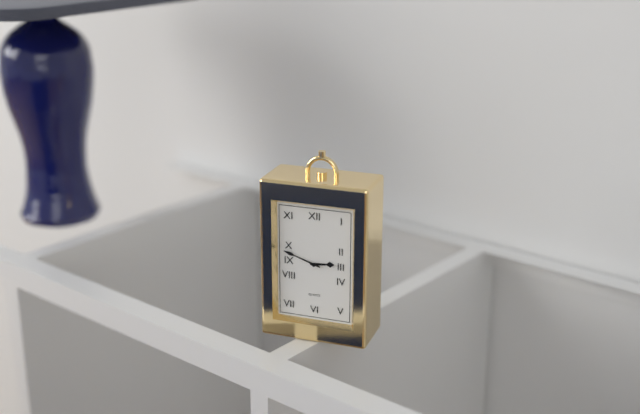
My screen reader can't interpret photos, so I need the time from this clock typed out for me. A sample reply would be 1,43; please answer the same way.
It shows 2,48
